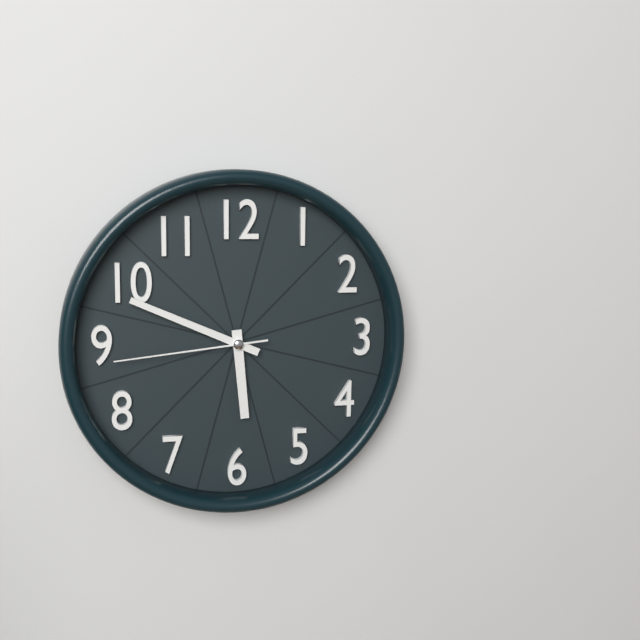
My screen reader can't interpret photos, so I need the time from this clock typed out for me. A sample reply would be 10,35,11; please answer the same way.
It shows 5,49,44
